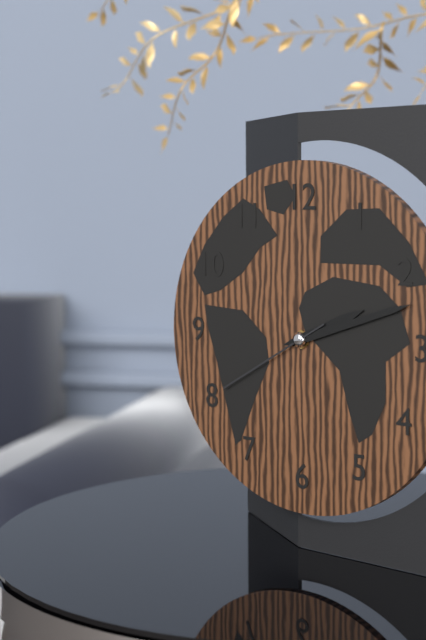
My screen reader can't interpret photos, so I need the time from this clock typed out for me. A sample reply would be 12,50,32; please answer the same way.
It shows 2,12,40
